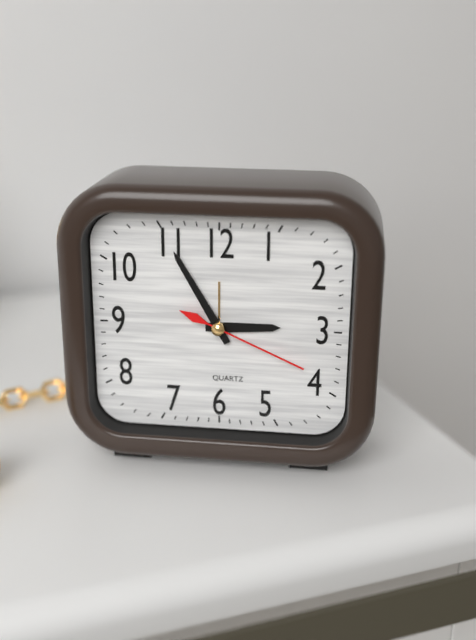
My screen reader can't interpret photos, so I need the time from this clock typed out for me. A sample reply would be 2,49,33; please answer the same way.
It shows 2,55,19
